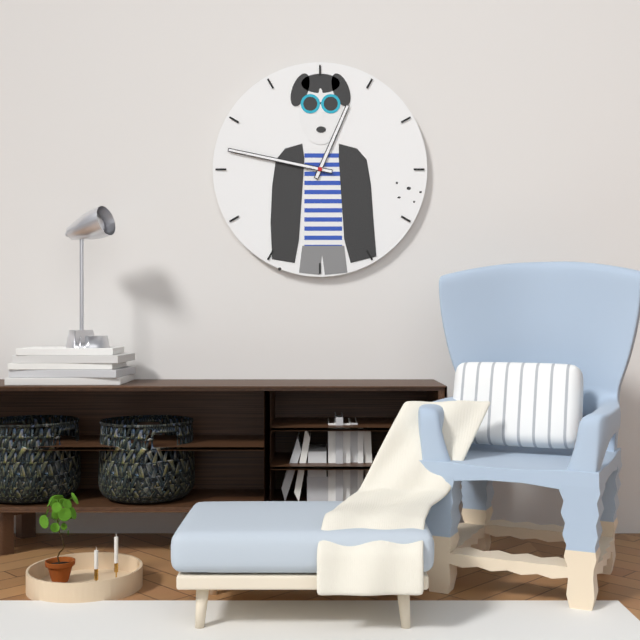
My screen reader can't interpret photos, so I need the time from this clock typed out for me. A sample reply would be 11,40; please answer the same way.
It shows 12,47
